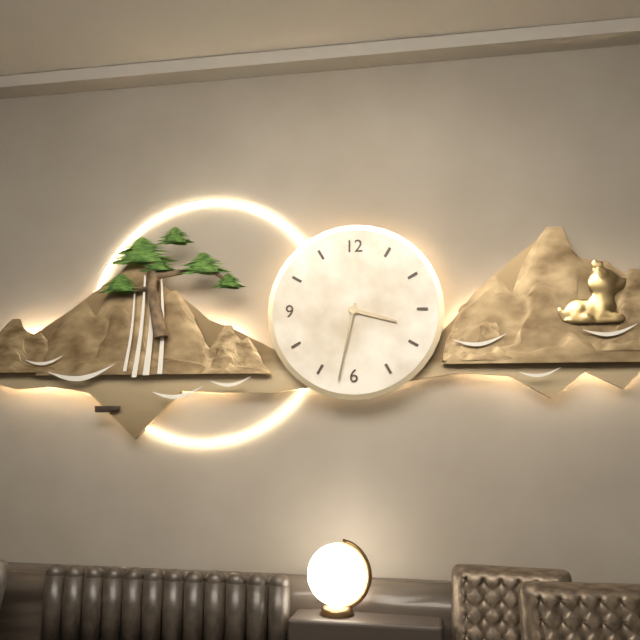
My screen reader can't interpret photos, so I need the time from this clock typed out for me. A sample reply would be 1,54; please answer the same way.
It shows 3,32
